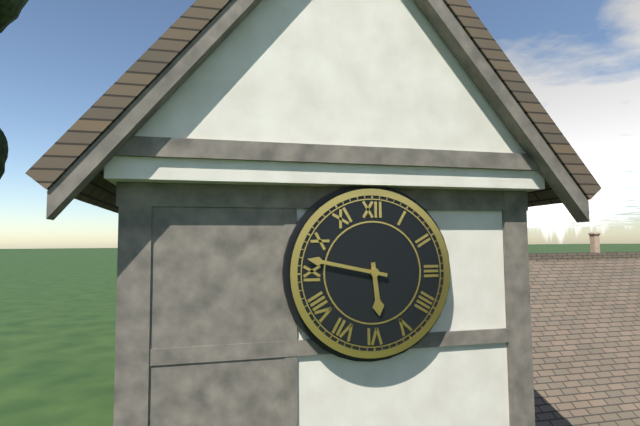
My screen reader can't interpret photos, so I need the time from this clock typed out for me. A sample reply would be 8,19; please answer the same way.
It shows 5,47
